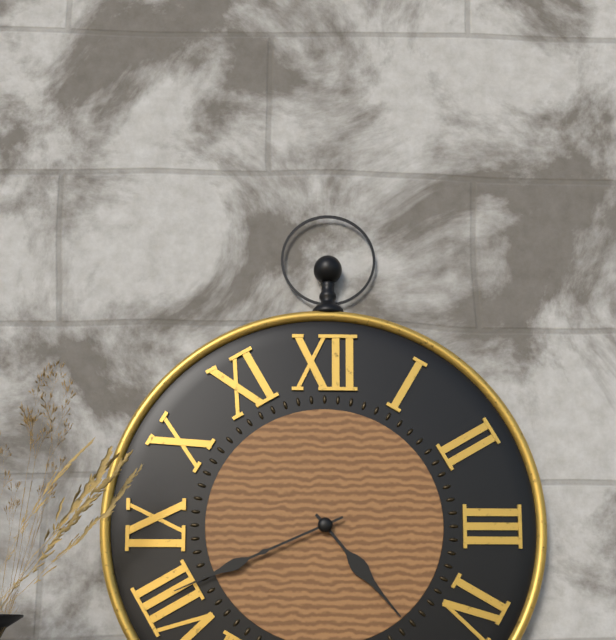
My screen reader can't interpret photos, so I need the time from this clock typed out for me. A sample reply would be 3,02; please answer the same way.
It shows 4,41
